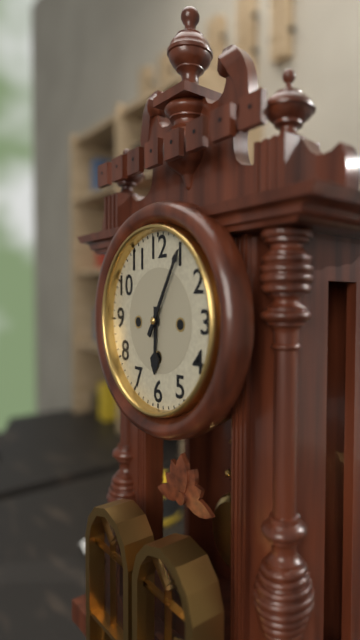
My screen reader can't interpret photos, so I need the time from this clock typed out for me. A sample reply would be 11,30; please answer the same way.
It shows 6,05
